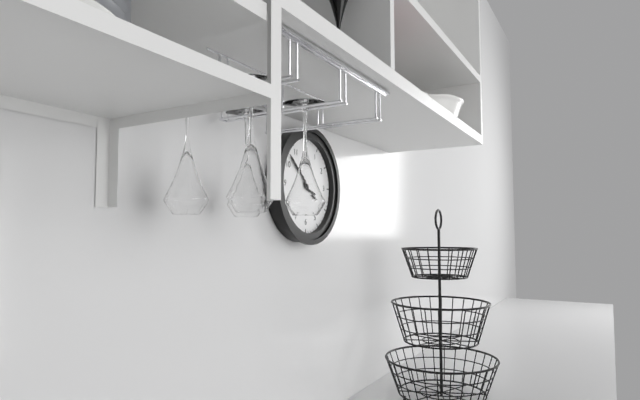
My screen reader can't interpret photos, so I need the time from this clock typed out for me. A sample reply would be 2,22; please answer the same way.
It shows 3,52
